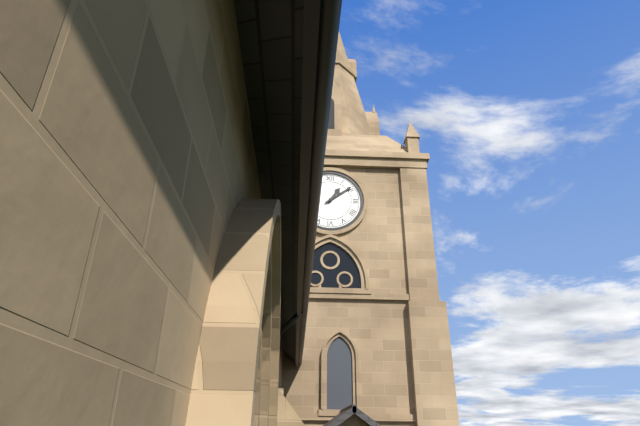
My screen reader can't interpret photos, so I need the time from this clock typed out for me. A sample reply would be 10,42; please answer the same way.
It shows 1,09
